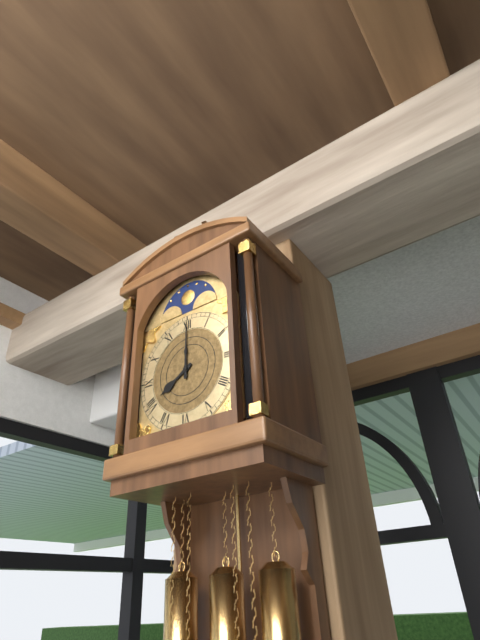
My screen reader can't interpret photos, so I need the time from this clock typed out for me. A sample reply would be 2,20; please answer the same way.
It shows 8,00
